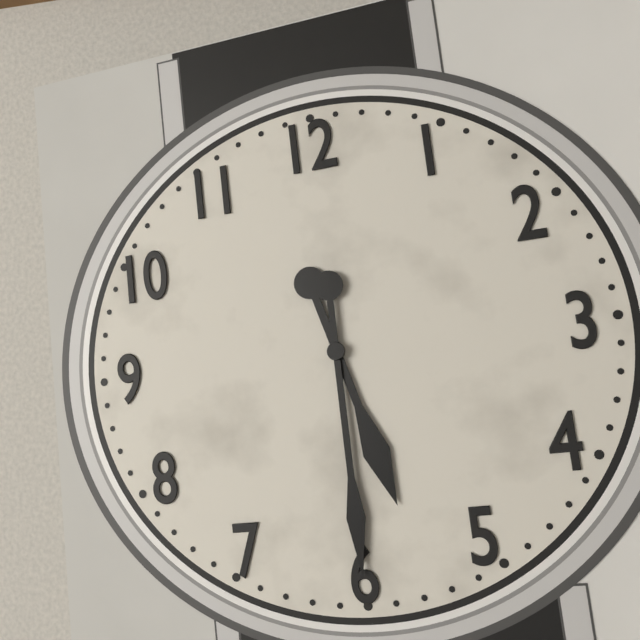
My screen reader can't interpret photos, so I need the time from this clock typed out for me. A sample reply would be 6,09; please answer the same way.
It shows 5,30
